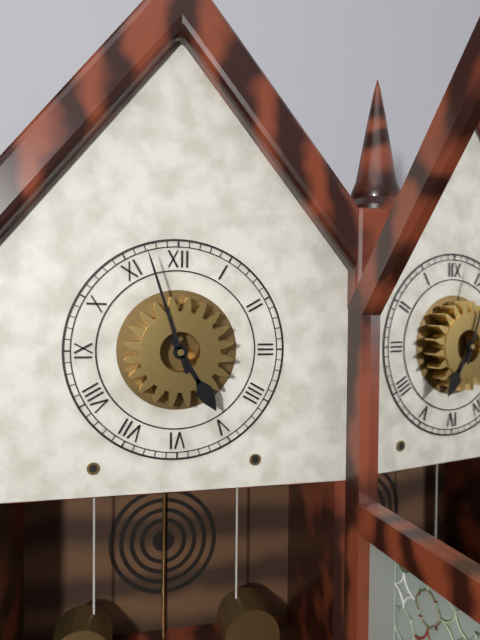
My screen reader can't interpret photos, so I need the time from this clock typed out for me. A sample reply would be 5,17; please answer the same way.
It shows 4,57
